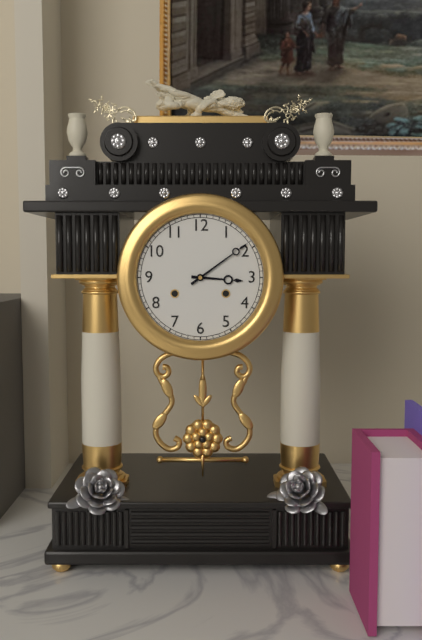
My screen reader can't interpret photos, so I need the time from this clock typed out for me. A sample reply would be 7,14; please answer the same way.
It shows 3,09
